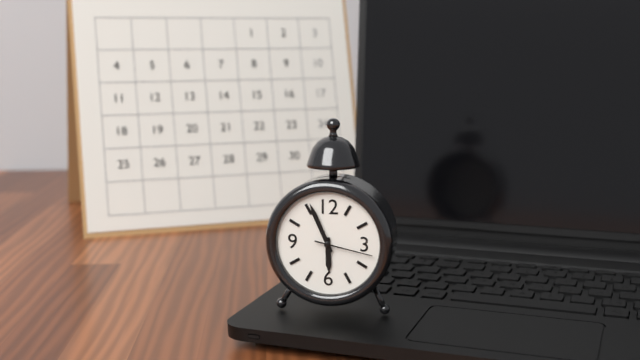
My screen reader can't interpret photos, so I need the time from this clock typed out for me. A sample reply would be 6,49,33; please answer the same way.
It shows 5,56,17
